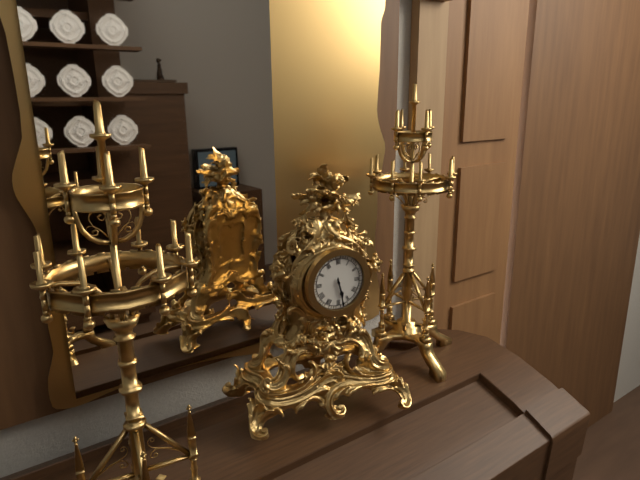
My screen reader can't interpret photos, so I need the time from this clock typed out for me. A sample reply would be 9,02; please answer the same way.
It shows 5,28
